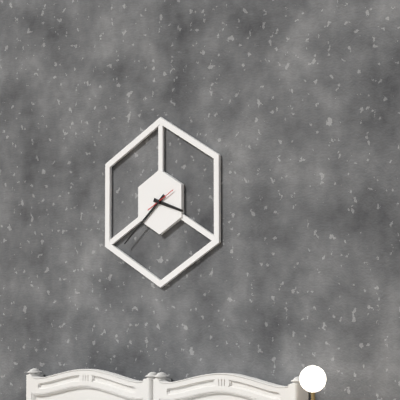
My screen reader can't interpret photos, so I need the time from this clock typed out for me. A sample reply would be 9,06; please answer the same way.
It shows 3,38
